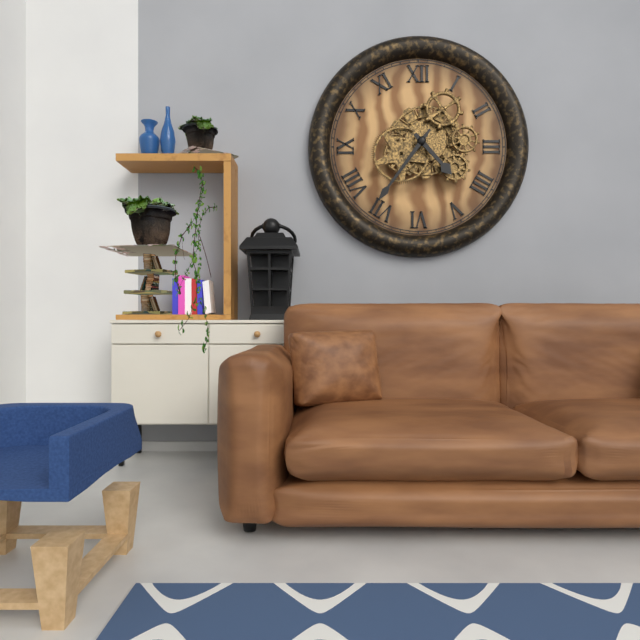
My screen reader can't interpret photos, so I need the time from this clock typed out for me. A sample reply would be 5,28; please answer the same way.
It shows 4,36
